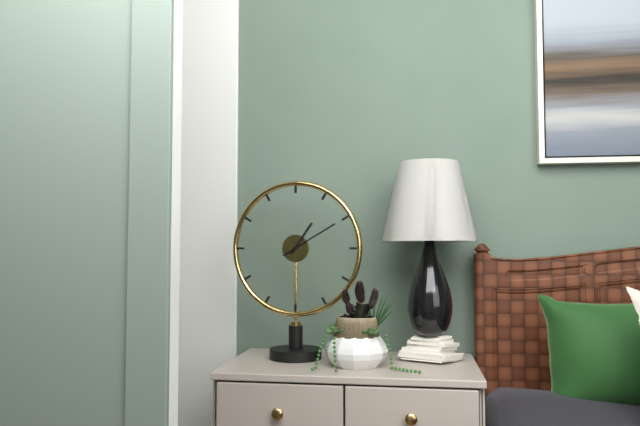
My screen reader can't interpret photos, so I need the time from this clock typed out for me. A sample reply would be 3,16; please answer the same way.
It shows 1,10
